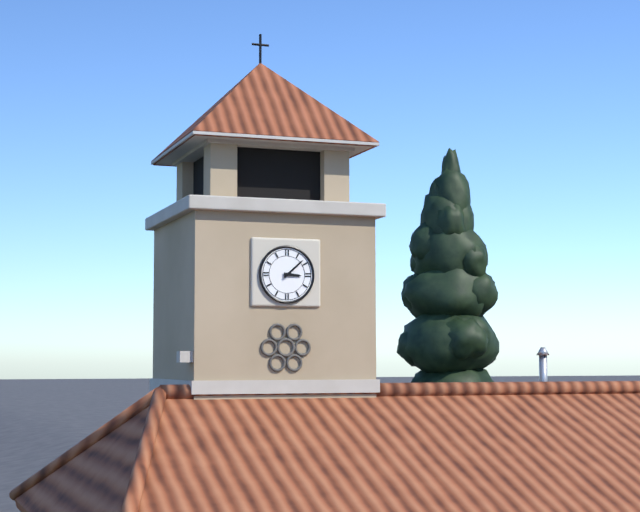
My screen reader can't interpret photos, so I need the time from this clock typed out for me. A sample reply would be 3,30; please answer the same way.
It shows 3,08
